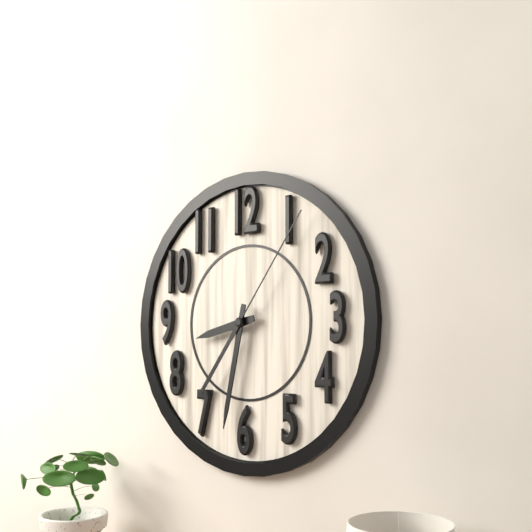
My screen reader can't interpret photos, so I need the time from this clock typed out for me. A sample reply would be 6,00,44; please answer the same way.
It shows 8,32,06
